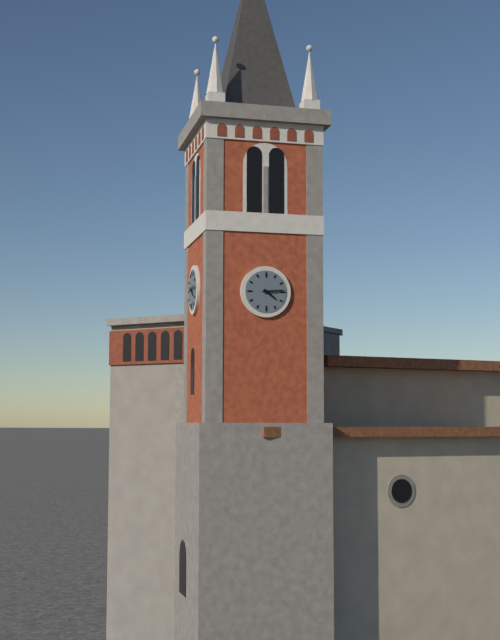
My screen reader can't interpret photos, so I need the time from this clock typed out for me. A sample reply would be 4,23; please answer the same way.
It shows 4,14
